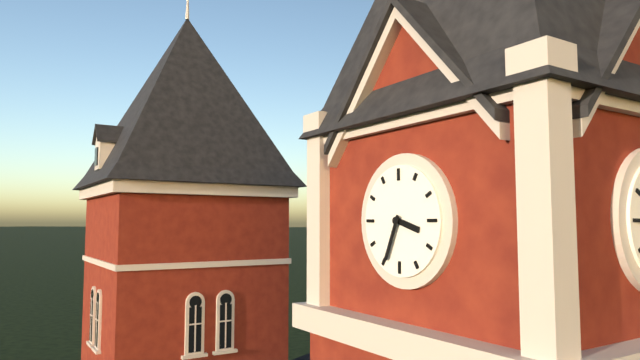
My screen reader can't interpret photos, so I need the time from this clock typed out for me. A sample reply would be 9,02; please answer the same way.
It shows 3,34
